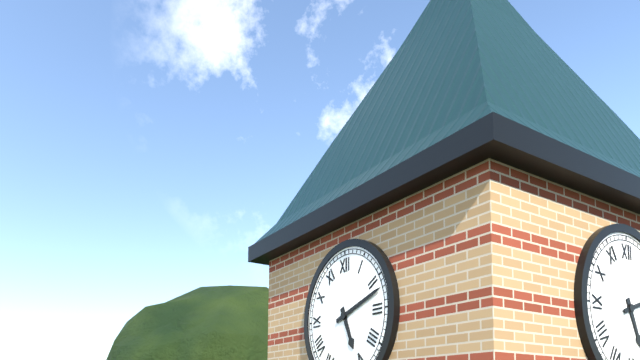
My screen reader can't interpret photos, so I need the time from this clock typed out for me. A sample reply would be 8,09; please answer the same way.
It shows 5,12
